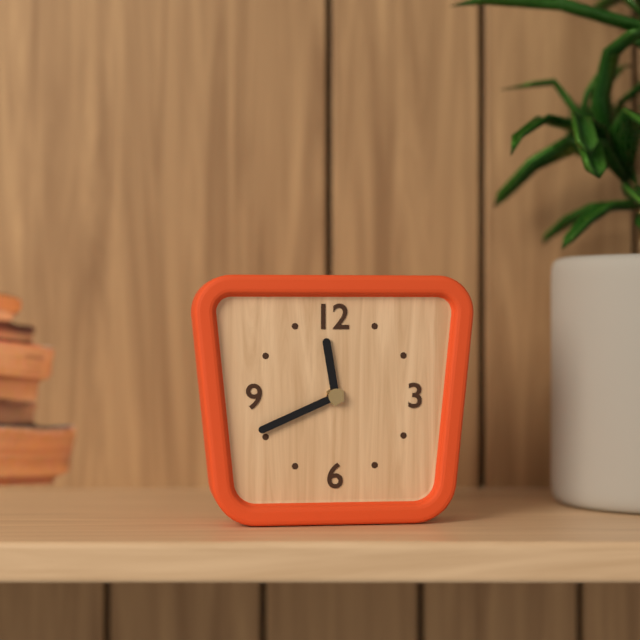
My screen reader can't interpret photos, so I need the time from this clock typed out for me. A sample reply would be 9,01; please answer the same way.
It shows 11,41
